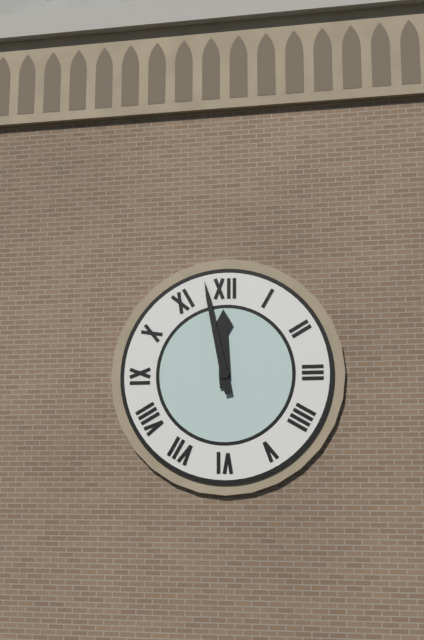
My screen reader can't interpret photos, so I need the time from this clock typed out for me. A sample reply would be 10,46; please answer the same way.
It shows 11,58
